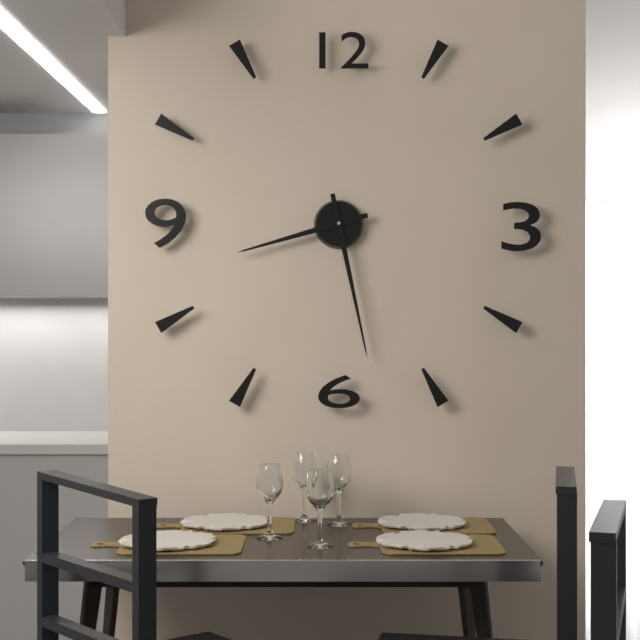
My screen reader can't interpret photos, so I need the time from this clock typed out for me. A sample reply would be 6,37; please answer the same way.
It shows 8,28
